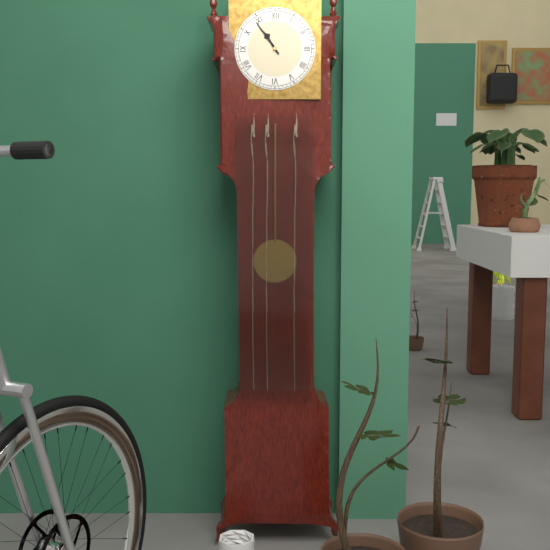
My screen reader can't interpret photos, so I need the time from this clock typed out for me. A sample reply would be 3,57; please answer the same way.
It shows 10,54
